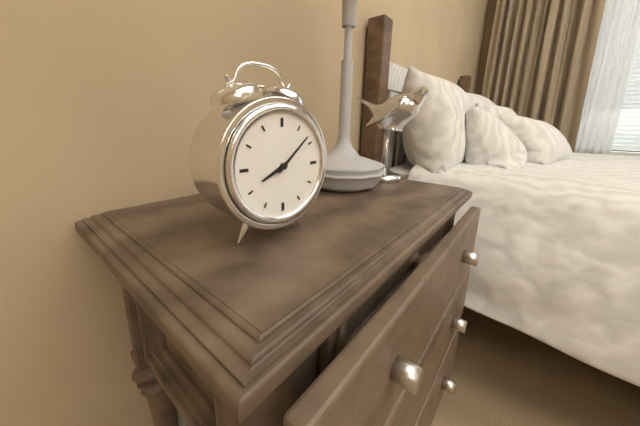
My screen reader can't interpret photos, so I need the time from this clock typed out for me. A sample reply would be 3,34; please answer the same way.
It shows 8,08
